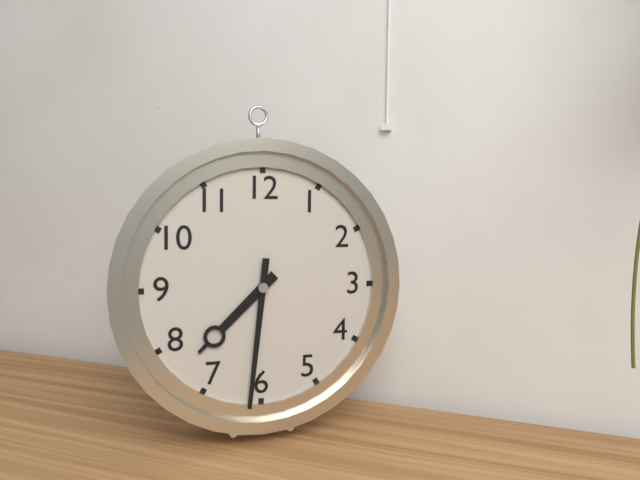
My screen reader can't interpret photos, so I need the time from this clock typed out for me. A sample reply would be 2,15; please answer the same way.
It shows 7,31
